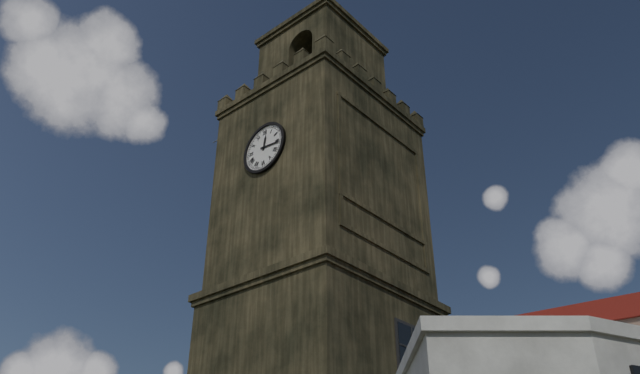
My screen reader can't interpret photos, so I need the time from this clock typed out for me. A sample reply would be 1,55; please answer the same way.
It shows 12,16
